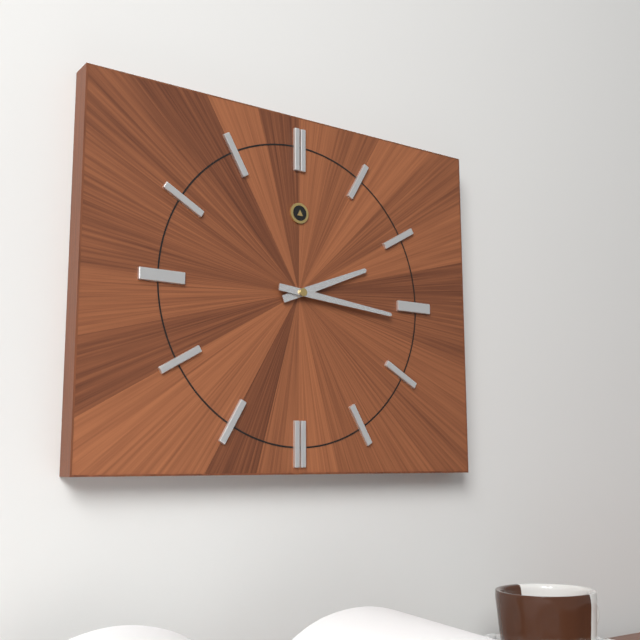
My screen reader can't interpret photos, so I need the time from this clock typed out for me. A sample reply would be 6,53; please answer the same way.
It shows 2,16
